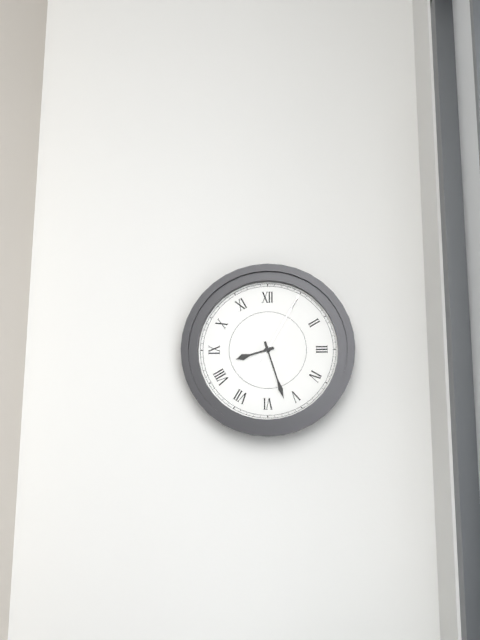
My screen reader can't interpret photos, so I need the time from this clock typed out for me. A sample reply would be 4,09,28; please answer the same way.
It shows 8,27,05
